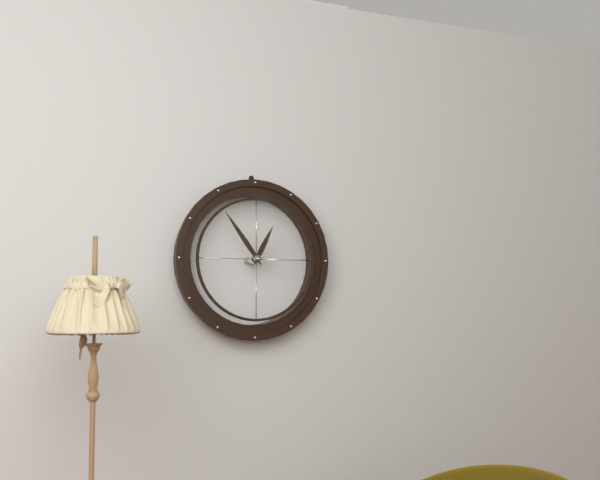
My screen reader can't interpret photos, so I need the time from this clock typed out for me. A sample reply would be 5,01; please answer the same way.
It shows 12,54
